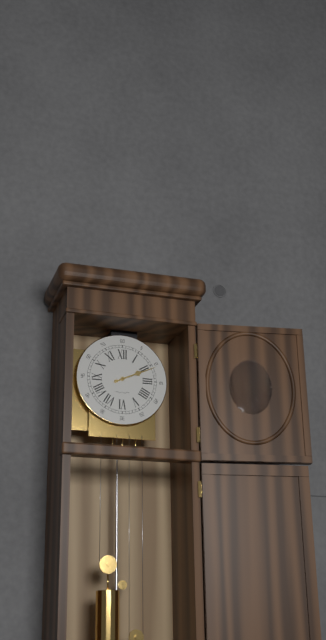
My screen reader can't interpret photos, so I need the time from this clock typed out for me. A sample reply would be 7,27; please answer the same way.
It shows 2,11
